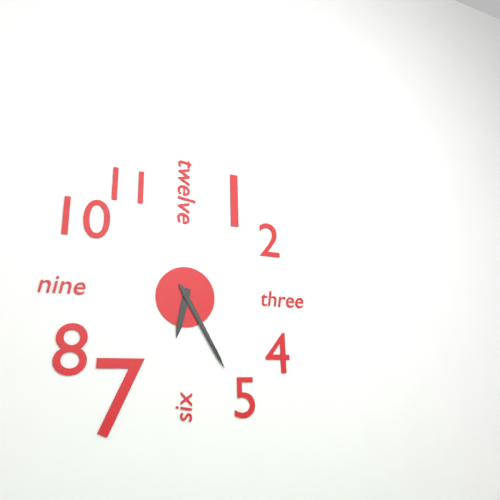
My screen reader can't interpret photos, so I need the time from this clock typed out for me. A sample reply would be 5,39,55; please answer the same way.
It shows 6,25,25
